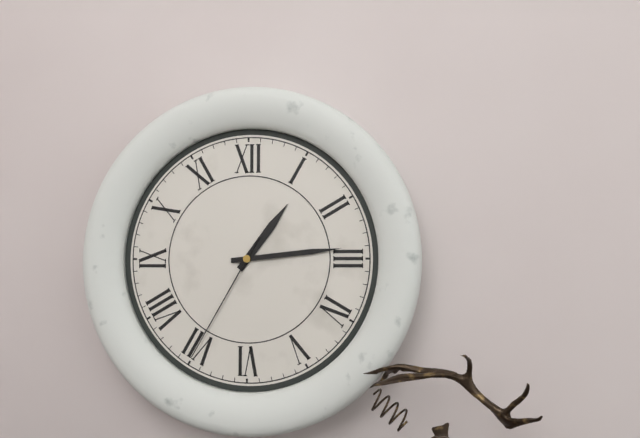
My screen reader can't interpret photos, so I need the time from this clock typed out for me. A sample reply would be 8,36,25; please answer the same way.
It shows 1,14,35
